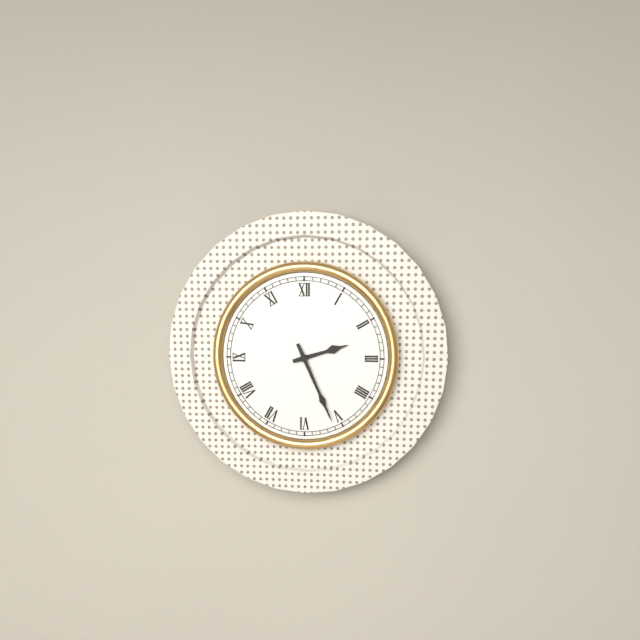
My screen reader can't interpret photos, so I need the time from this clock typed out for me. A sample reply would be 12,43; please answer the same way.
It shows 2,26
